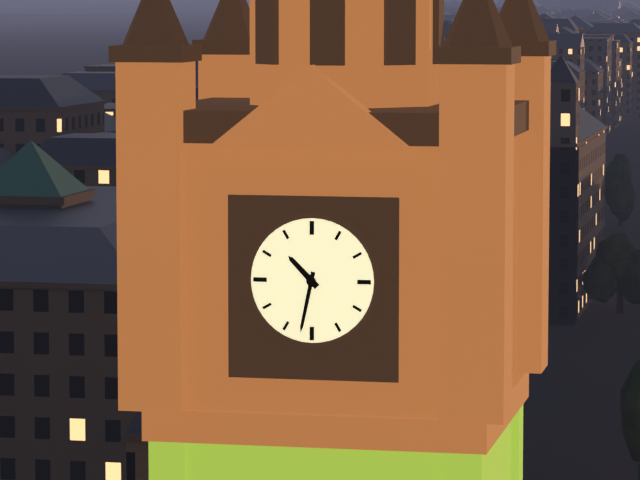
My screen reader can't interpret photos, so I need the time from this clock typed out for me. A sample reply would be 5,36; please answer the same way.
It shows 10,32
